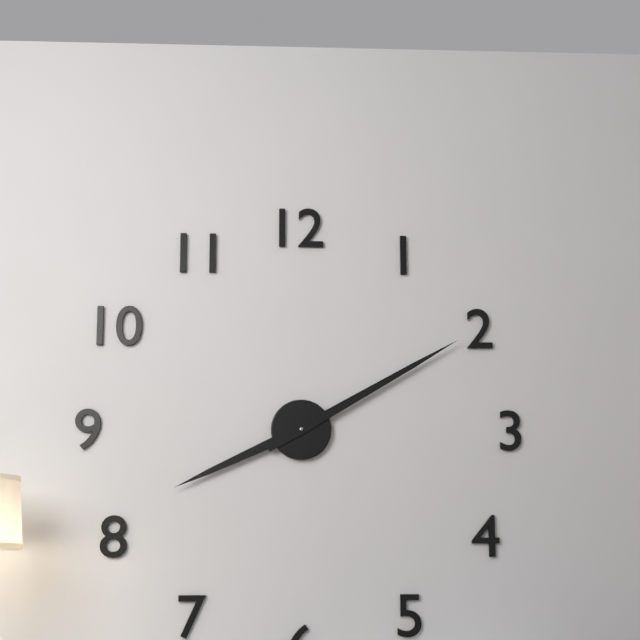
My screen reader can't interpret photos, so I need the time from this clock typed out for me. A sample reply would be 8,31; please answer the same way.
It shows 8,10
